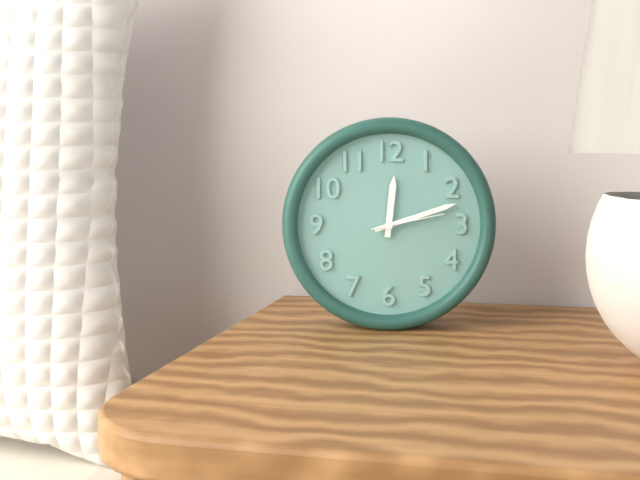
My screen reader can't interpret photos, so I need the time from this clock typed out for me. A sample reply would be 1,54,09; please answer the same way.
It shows 12,12,13
